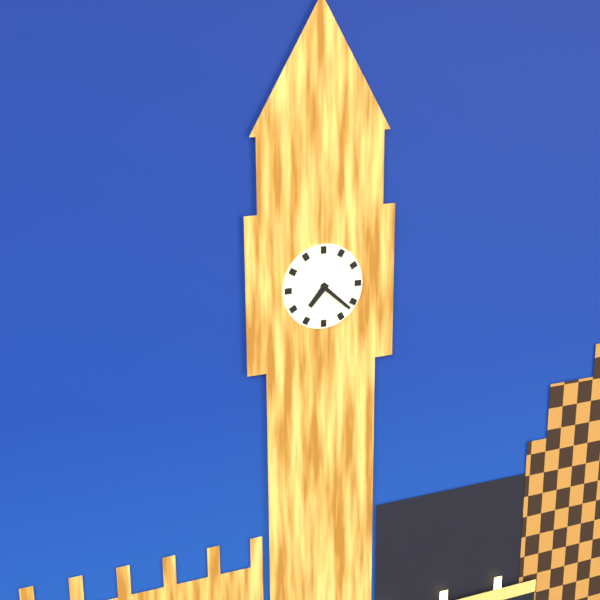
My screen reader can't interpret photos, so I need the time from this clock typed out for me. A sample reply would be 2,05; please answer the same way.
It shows 7,22
